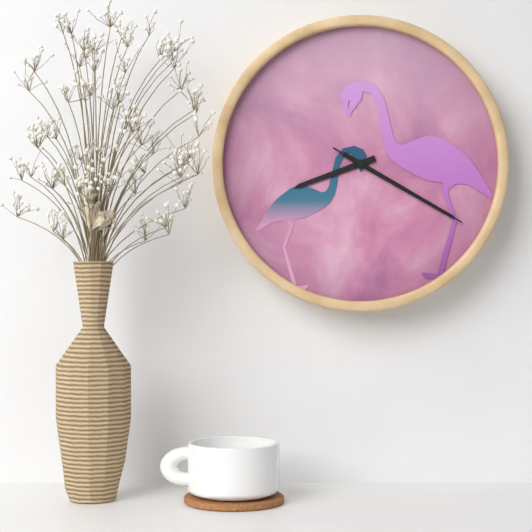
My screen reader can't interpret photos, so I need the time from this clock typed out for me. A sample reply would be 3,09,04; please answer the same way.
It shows 8,20,20
